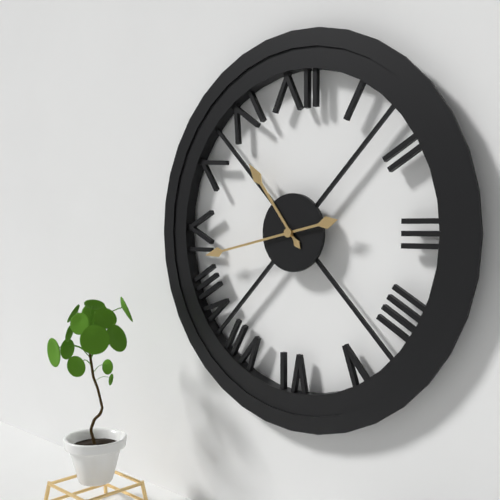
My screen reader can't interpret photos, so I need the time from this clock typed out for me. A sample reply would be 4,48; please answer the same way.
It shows 10,43
